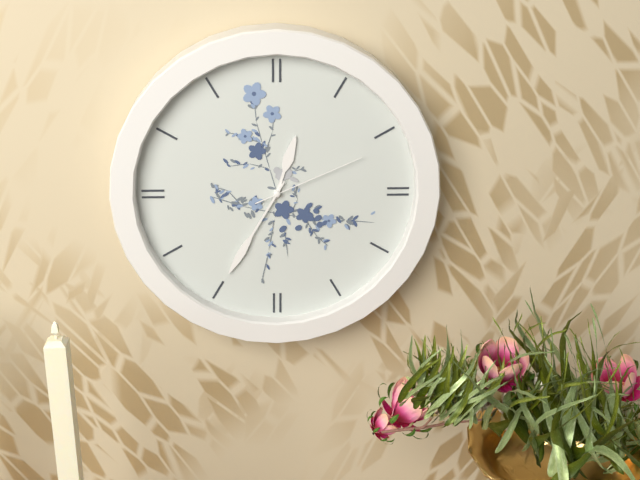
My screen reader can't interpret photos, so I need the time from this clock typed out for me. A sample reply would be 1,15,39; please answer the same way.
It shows 12,35,11
